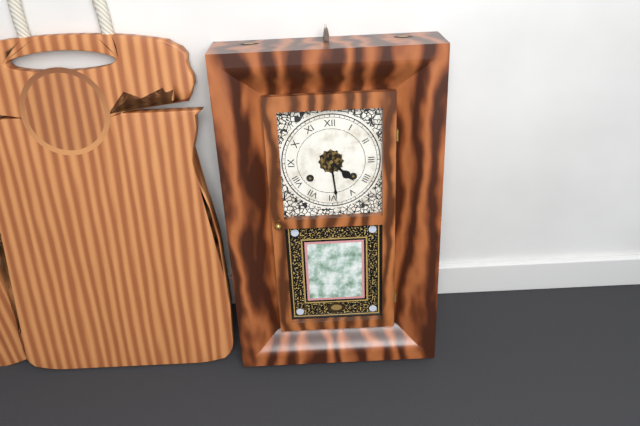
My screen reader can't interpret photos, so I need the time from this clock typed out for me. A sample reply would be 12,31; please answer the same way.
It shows 4,29
